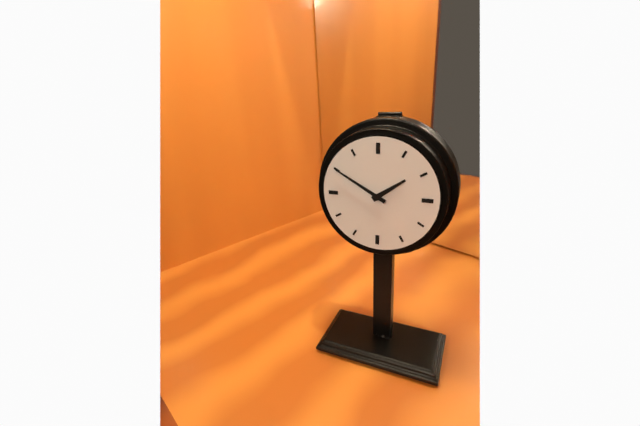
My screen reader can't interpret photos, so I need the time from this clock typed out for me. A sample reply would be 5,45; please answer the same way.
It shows 1,50
